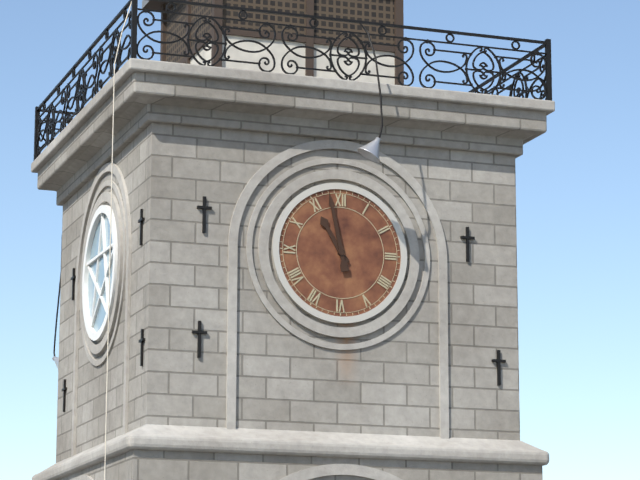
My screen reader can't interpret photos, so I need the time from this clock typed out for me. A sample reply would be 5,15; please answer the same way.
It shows 10,58
